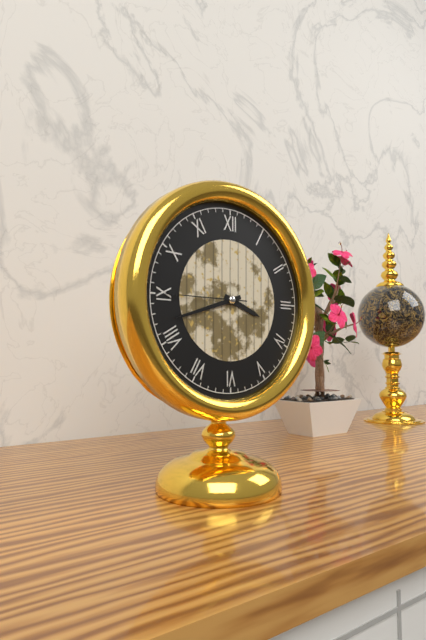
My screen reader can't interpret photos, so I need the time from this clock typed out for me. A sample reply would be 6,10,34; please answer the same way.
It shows 3,42,45
